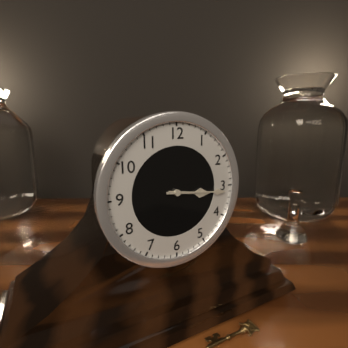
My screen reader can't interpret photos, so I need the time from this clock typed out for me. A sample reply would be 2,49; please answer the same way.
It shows 3,16
